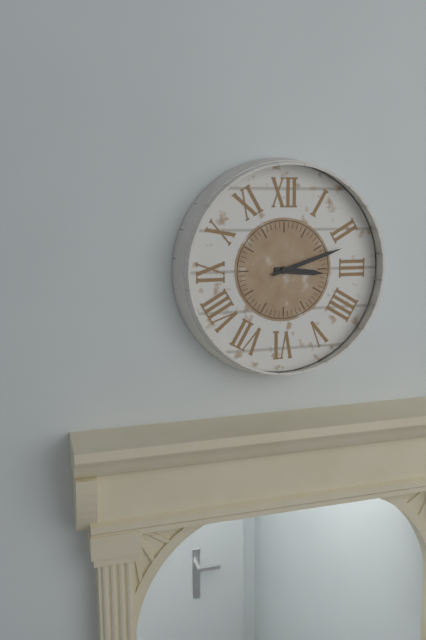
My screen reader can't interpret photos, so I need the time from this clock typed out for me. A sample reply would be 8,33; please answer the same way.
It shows 3,12
